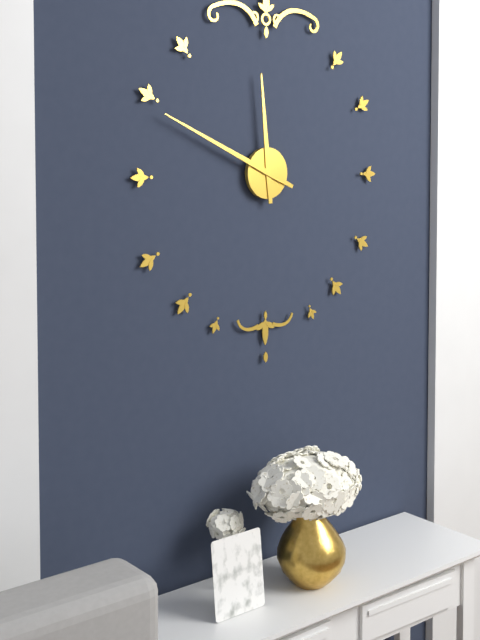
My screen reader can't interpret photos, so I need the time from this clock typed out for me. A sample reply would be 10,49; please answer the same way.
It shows 11,49
